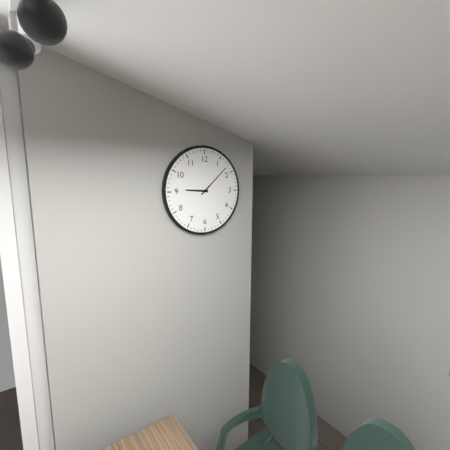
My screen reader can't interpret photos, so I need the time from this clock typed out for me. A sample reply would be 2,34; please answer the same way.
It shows 9,08
